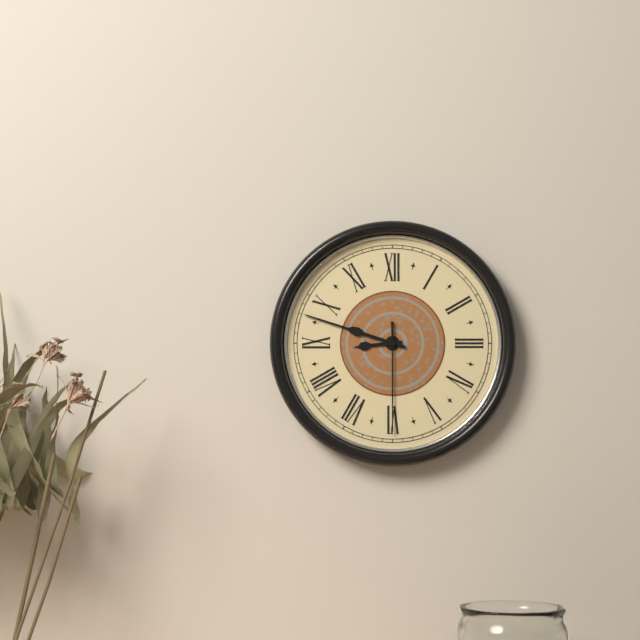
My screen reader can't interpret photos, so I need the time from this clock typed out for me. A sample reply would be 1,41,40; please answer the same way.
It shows 8,48,30
